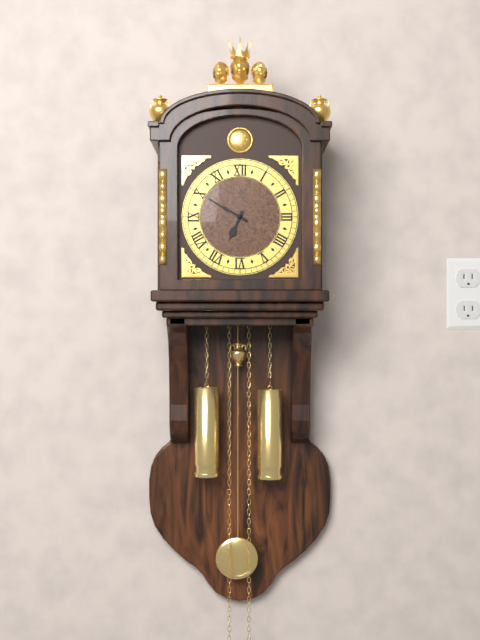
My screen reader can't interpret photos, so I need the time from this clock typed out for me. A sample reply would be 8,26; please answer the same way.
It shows 6,50
